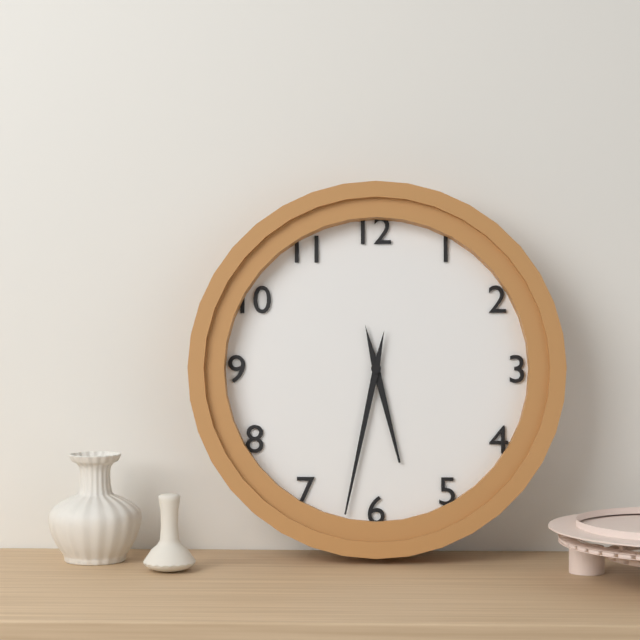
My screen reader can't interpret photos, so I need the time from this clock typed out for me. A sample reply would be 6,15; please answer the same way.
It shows 5,32
